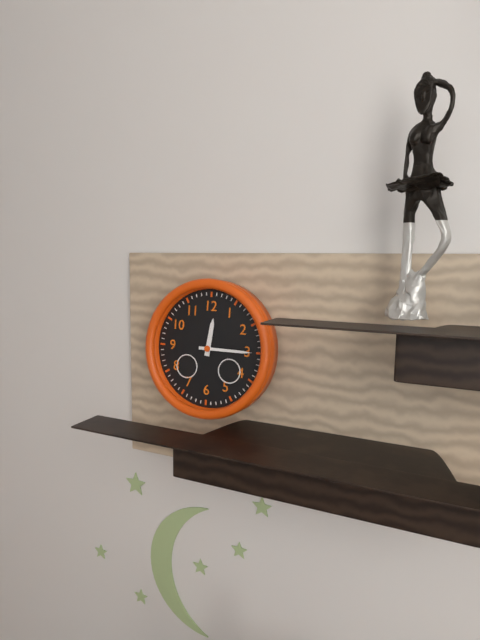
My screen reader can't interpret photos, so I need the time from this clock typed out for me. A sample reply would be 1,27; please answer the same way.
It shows 12,15
